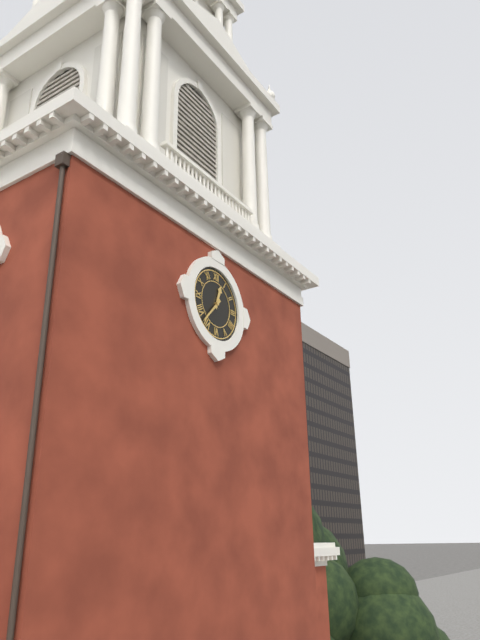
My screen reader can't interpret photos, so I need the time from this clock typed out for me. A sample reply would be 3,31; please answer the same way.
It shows 12,37
